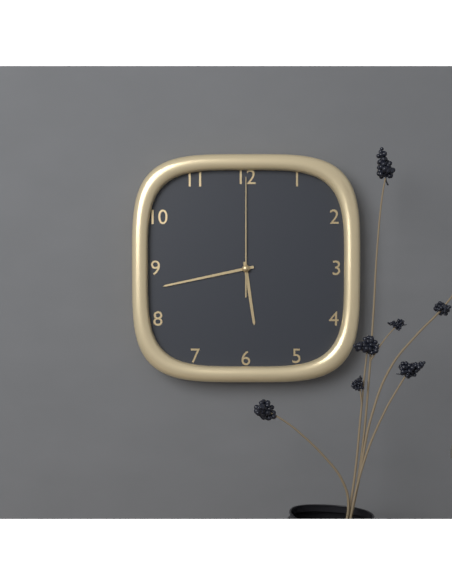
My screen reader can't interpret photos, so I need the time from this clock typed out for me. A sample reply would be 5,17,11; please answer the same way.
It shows 5,43,00
